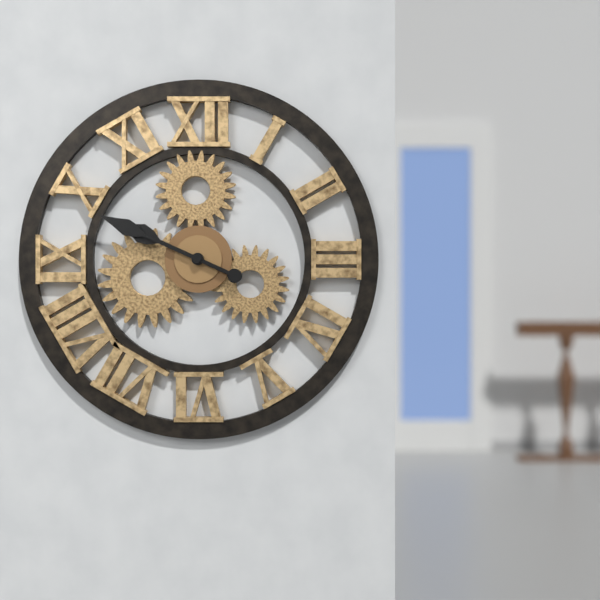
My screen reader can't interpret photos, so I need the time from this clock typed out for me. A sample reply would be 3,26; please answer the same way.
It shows 9,49
